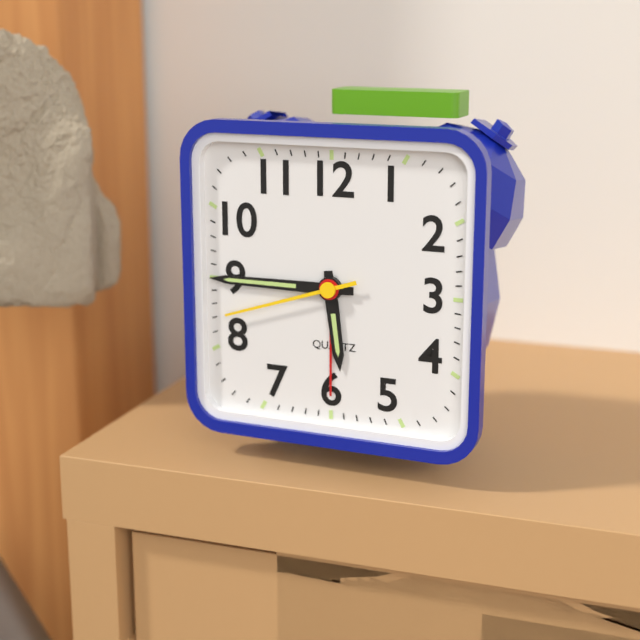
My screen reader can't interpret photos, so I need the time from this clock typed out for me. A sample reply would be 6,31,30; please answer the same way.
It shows 5,45,42
